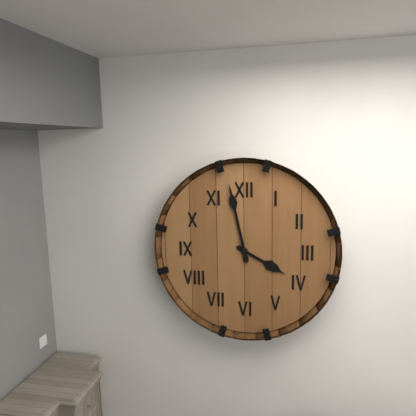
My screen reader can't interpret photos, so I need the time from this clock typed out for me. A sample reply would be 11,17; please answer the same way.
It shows 3,58
